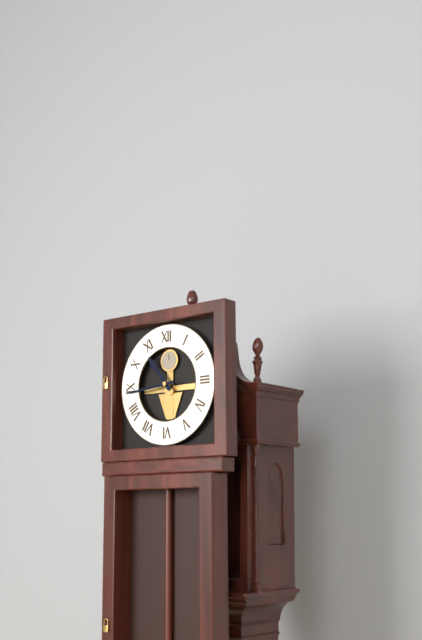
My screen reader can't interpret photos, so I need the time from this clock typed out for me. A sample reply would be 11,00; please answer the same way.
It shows 10,44
